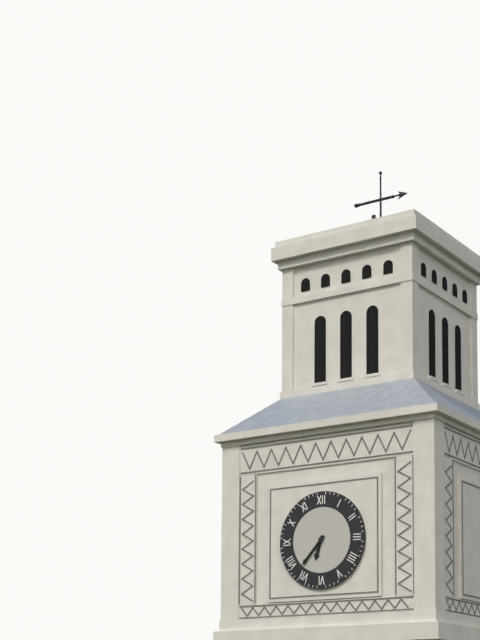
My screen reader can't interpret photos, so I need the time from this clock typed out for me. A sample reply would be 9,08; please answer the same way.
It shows 6,37
